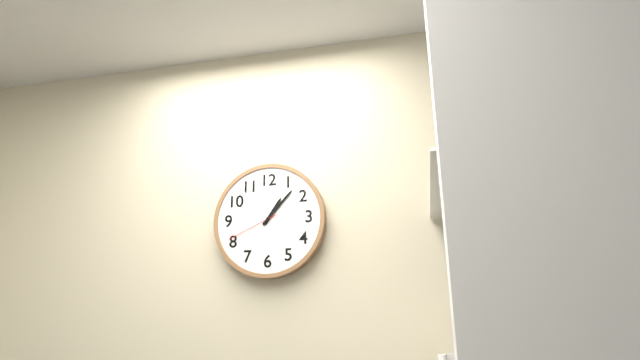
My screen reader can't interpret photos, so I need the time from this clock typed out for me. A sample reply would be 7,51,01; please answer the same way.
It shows 1,07,41
